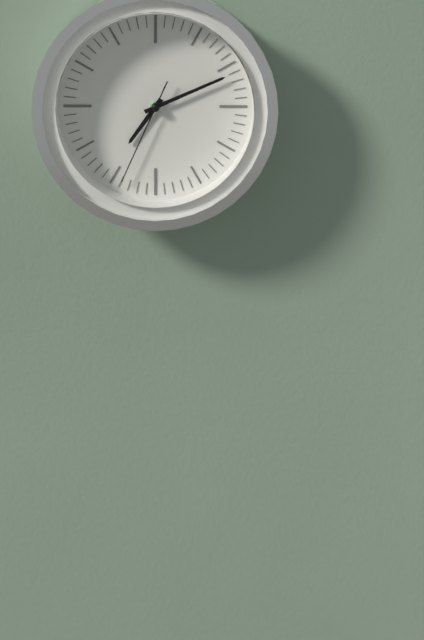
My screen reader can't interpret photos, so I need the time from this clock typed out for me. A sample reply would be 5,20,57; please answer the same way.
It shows 7,11,34
